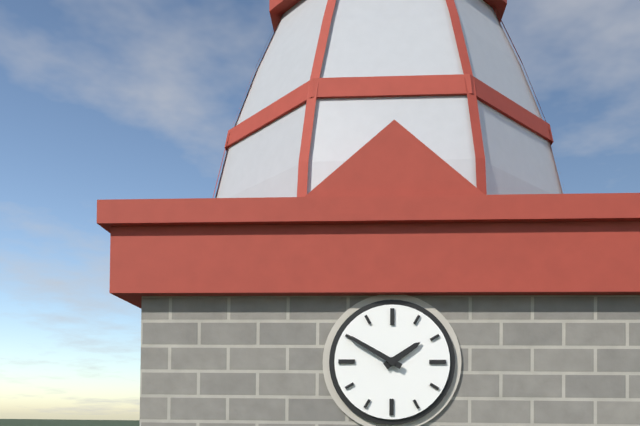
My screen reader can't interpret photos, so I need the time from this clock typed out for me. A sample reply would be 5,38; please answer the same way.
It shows 1,50
